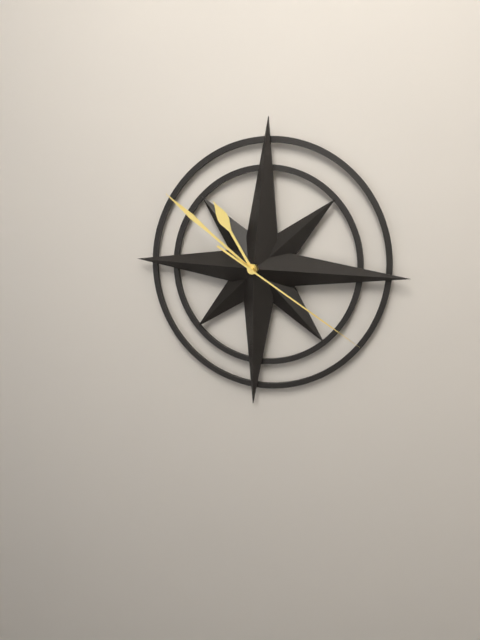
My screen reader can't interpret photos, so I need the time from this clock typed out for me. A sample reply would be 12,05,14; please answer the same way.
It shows 10,51,20
